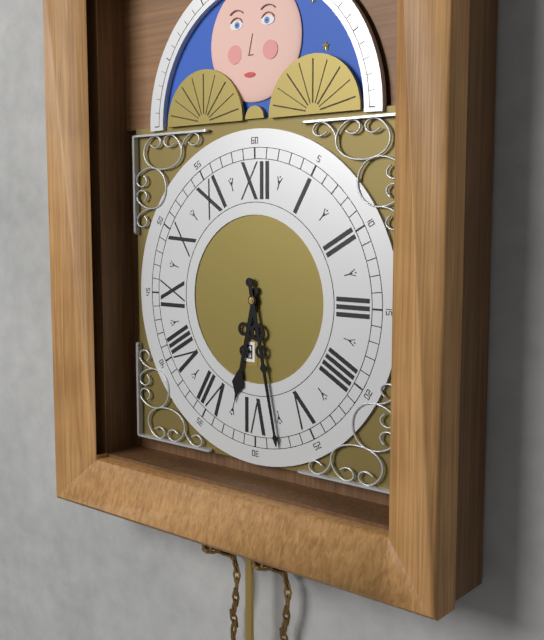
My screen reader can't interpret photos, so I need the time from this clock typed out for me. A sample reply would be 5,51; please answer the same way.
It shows 6,28
